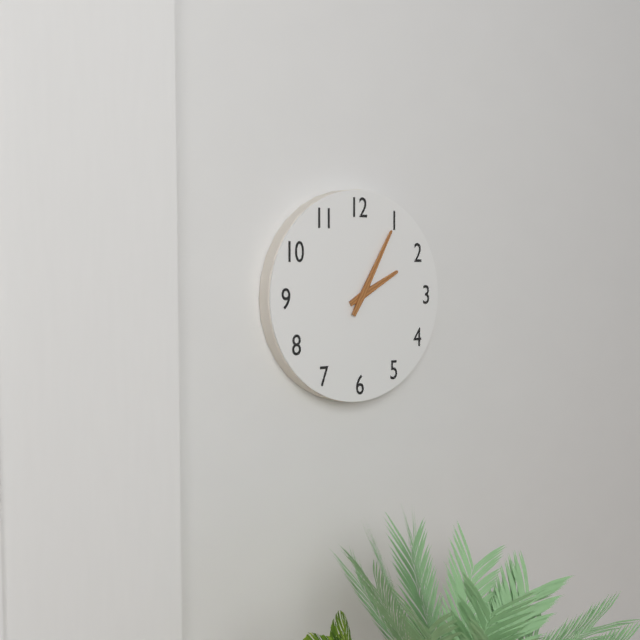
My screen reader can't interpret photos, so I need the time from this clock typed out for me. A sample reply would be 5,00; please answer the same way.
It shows 2,05
